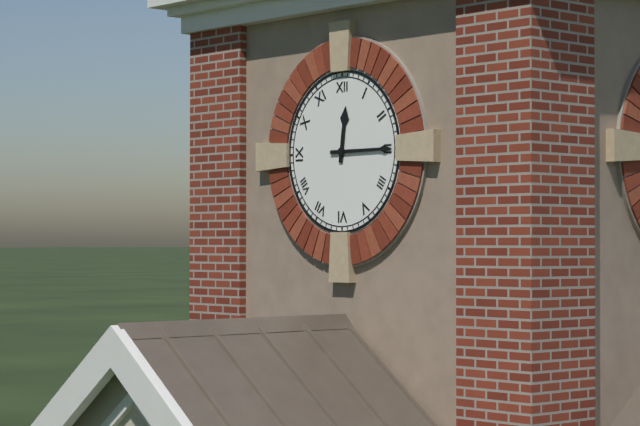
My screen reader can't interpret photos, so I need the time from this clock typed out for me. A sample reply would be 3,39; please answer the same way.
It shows 12,15
